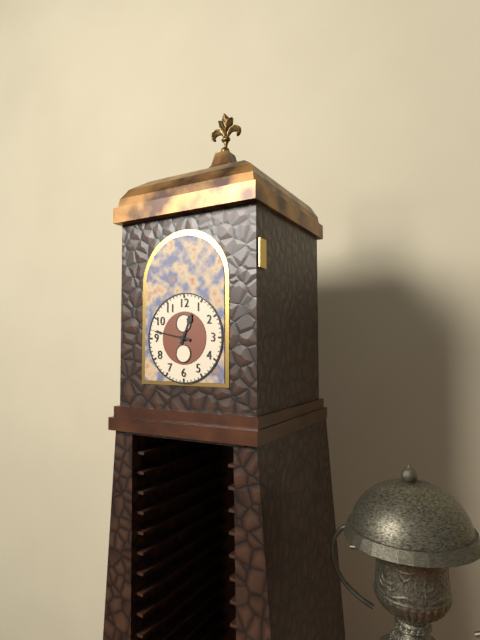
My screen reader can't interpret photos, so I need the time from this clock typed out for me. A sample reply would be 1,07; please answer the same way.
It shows 12,47
